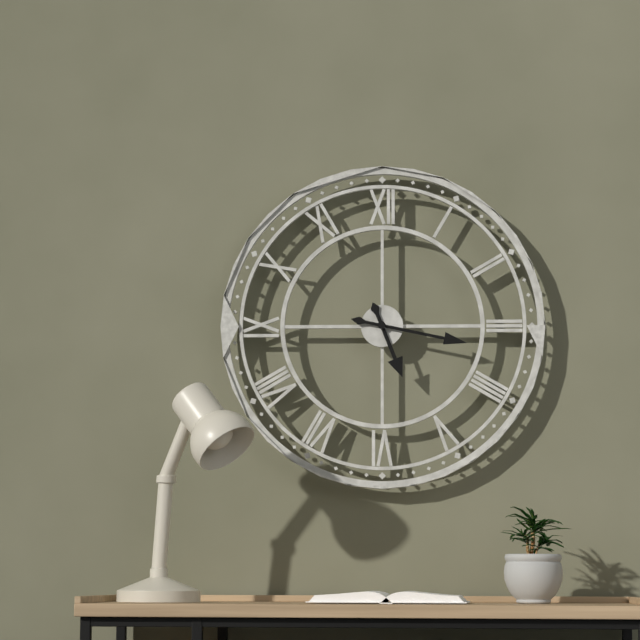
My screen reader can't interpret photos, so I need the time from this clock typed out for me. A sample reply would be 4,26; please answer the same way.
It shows 5,17
